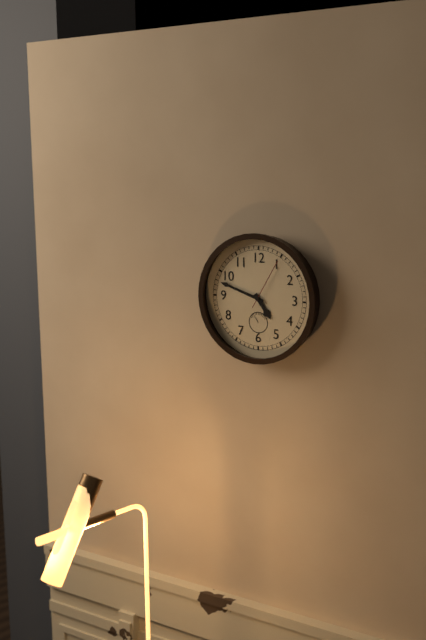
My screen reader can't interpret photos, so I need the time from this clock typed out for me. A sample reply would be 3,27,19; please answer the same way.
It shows 4,48,05
